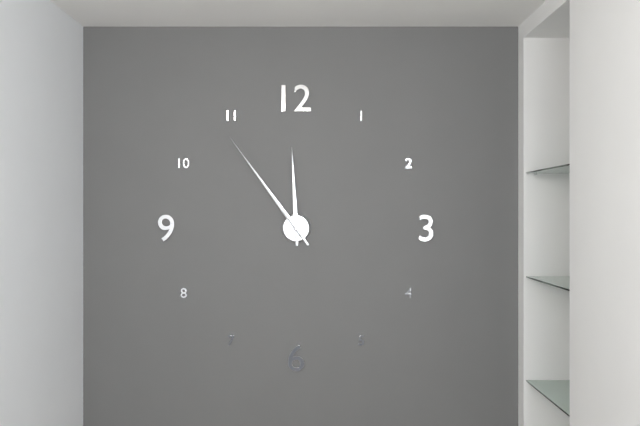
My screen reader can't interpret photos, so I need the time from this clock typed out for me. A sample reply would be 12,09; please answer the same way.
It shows 11,54
